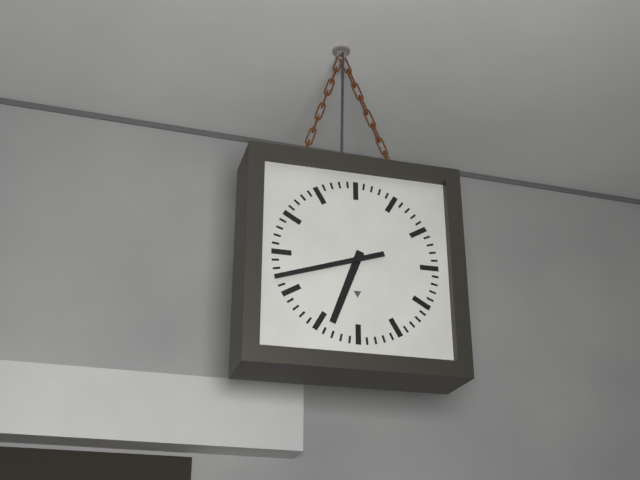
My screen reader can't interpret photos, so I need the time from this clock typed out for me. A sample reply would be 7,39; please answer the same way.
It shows 6,42
